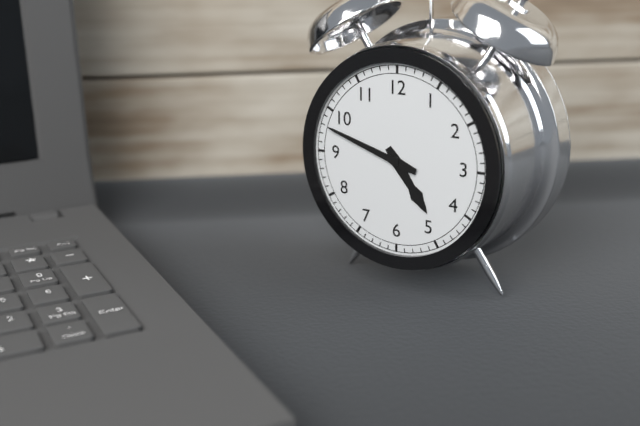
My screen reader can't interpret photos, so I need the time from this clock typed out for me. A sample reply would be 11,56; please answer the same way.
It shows 4,48
